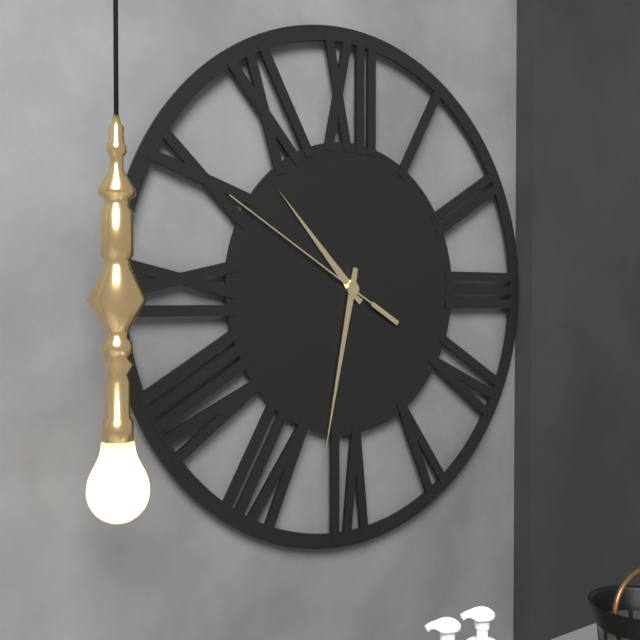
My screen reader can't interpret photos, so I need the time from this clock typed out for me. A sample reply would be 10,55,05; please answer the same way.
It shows 10,32,50
